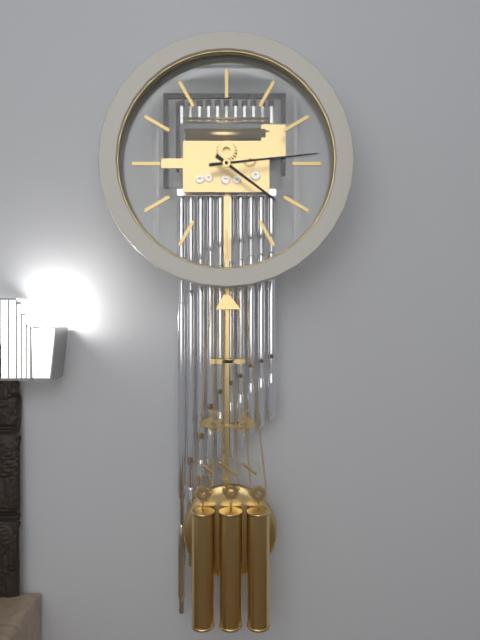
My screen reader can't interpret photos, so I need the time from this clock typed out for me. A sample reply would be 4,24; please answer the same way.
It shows 4,14
